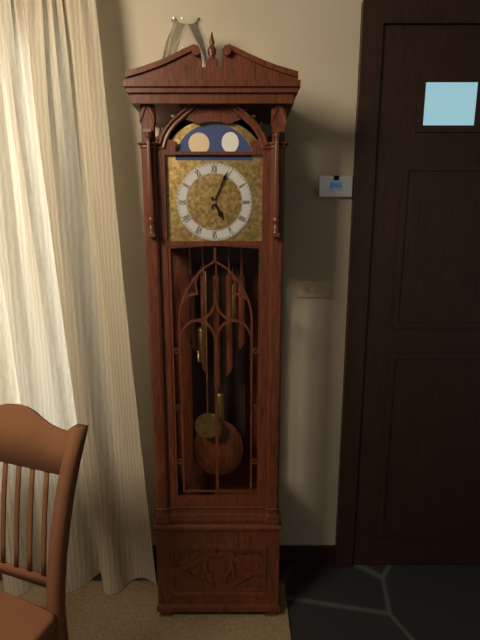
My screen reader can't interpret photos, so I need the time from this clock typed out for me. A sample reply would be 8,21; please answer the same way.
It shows 5,04
